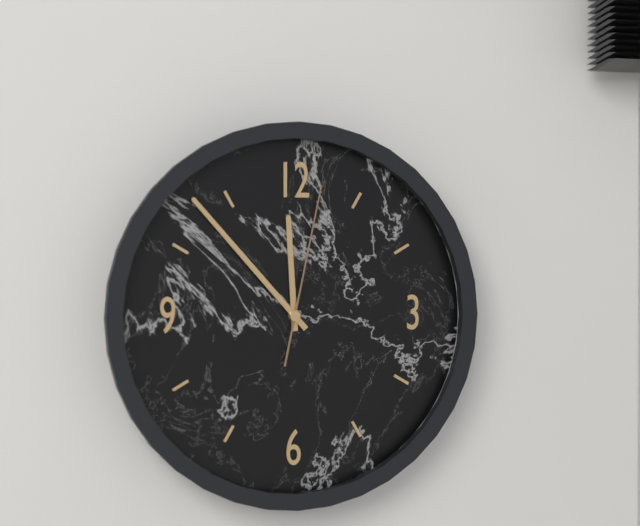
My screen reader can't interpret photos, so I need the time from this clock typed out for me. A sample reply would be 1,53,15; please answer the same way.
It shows 11,53,02
